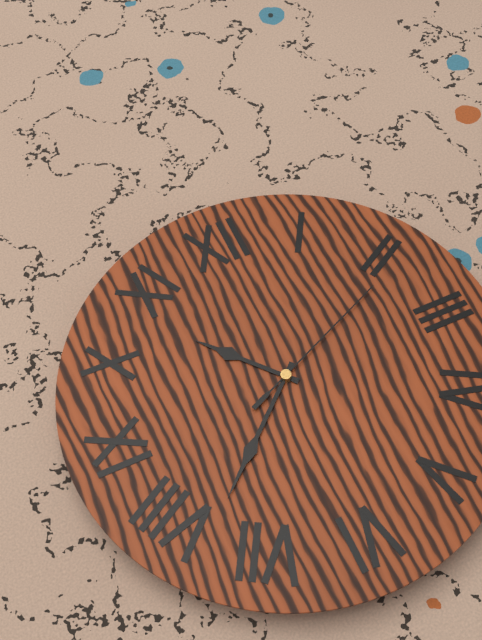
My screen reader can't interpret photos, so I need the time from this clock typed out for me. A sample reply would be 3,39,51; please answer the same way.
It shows 10,38,11
